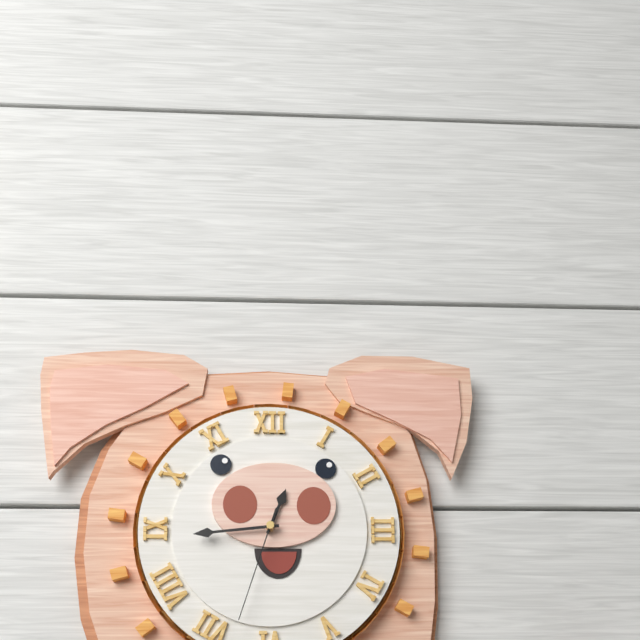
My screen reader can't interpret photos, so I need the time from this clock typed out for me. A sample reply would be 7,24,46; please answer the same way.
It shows 12,44,33
